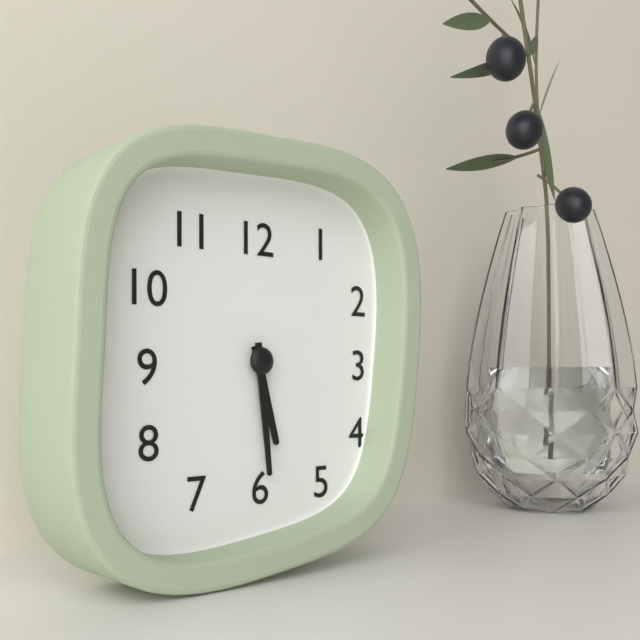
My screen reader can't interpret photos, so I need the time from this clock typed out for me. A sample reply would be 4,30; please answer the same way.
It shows 5,29
